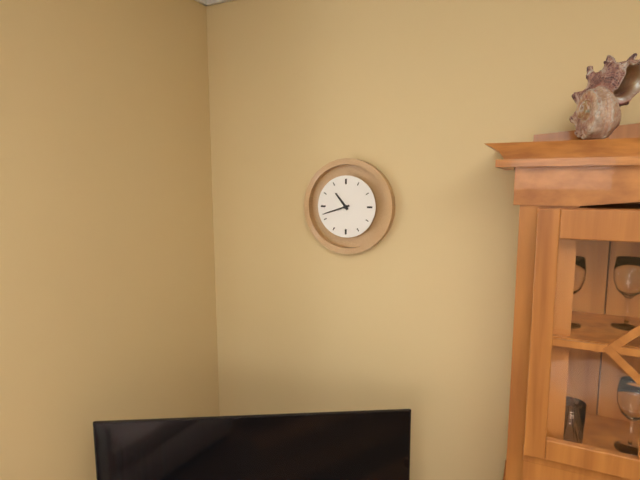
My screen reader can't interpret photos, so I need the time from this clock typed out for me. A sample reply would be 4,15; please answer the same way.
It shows 10,42
